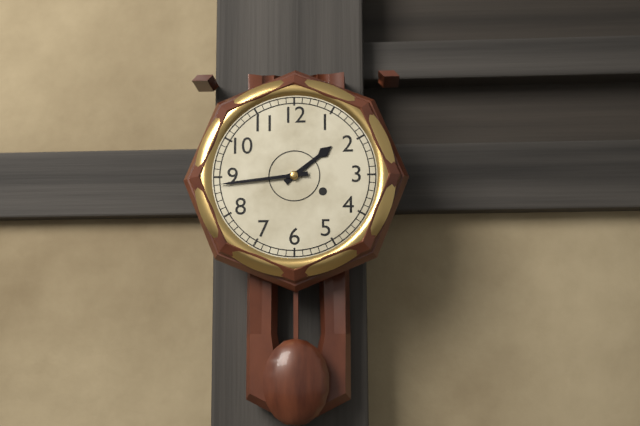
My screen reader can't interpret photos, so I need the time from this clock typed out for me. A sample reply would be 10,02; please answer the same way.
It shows 1,44
